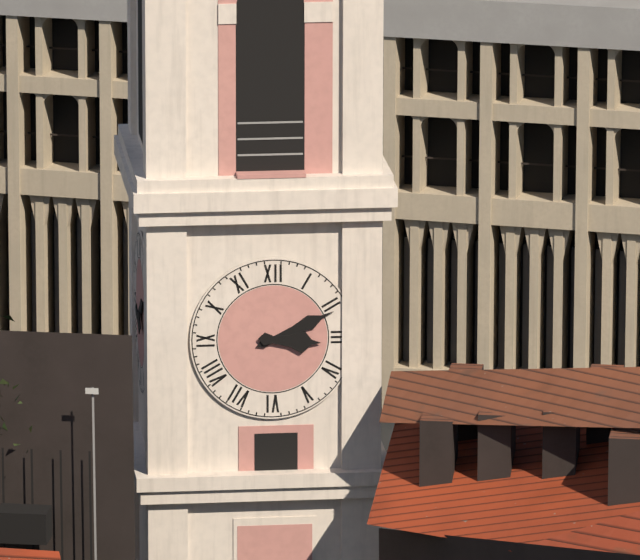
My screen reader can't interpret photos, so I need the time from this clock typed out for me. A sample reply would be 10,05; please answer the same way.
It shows 3,11
